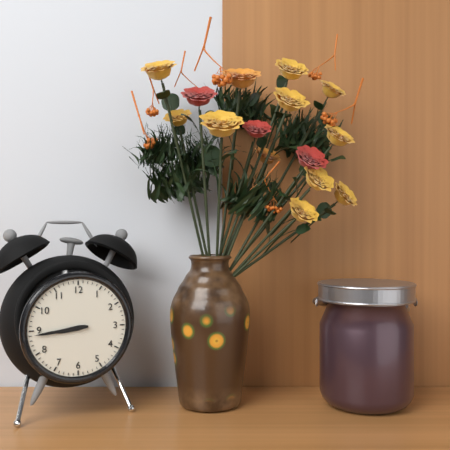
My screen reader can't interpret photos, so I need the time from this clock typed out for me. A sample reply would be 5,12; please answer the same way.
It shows 8,44
